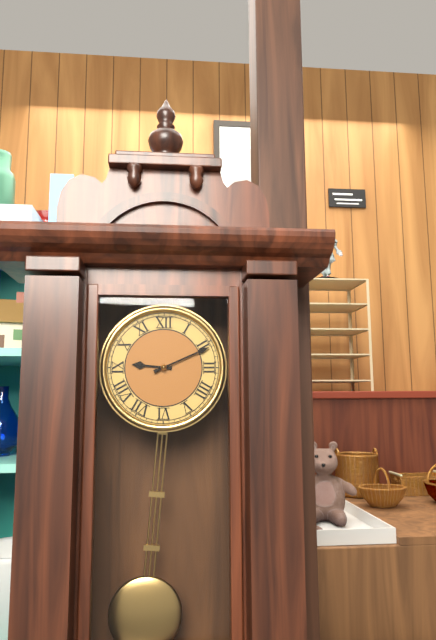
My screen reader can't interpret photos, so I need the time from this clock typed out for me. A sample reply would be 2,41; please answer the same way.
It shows 9,11
